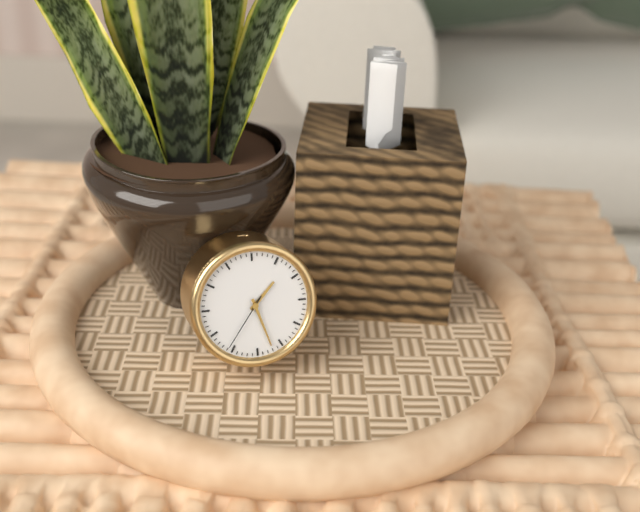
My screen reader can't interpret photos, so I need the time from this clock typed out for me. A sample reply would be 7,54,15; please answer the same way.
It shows 1,27,36
